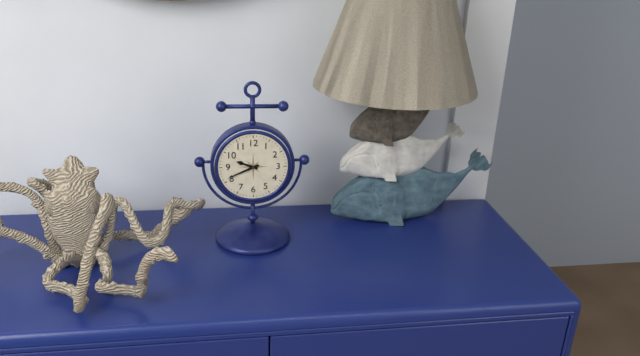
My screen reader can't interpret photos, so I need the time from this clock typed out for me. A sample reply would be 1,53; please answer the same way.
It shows 9,41
